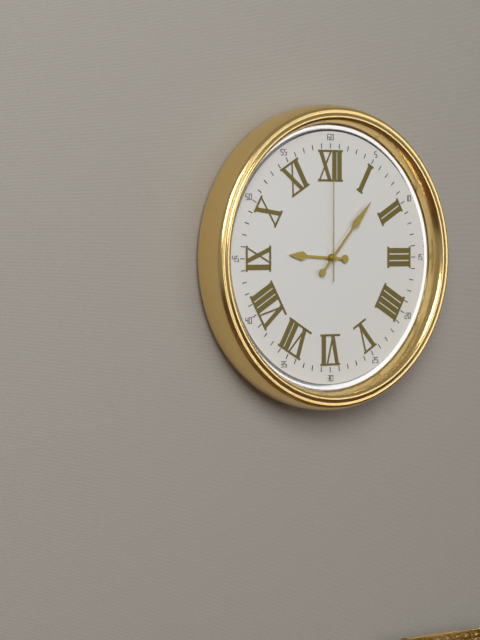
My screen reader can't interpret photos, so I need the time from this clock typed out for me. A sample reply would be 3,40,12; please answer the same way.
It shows 9,07,00
